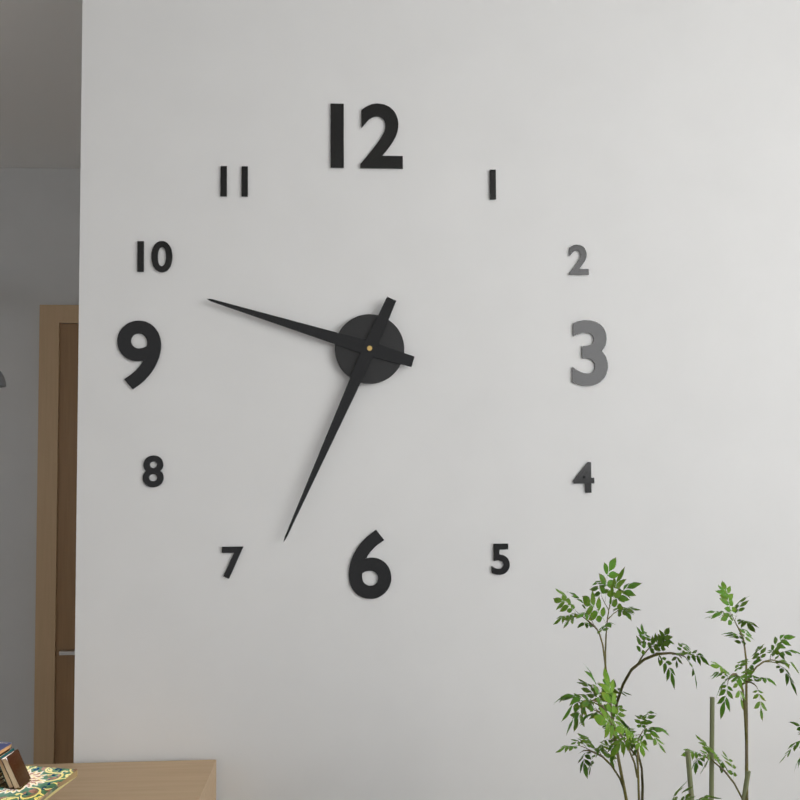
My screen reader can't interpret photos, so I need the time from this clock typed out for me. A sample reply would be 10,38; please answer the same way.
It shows 9,34
